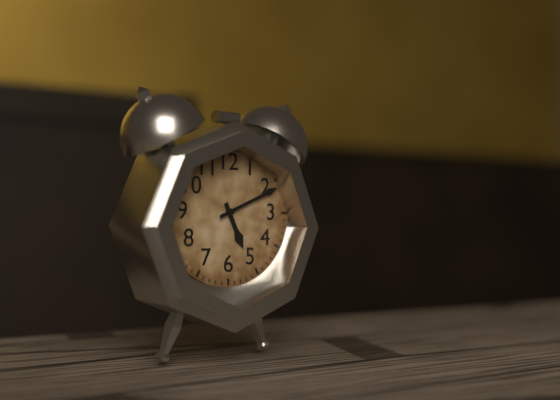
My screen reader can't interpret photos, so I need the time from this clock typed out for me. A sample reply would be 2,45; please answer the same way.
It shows 5,11
